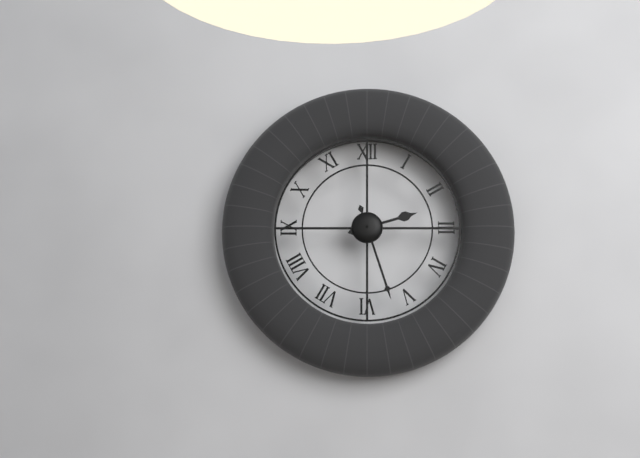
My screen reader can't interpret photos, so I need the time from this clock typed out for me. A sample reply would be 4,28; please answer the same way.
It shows 2,27
